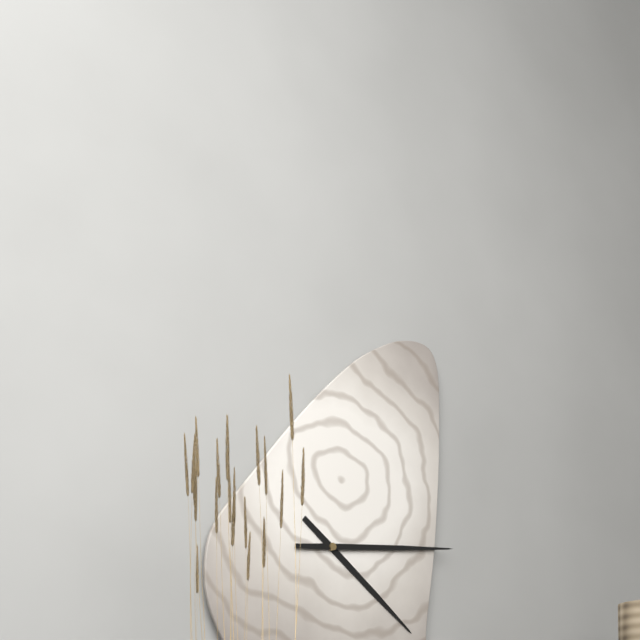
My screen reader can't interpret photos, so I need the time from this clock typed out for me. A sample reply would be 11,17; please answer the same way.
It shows 4,14
